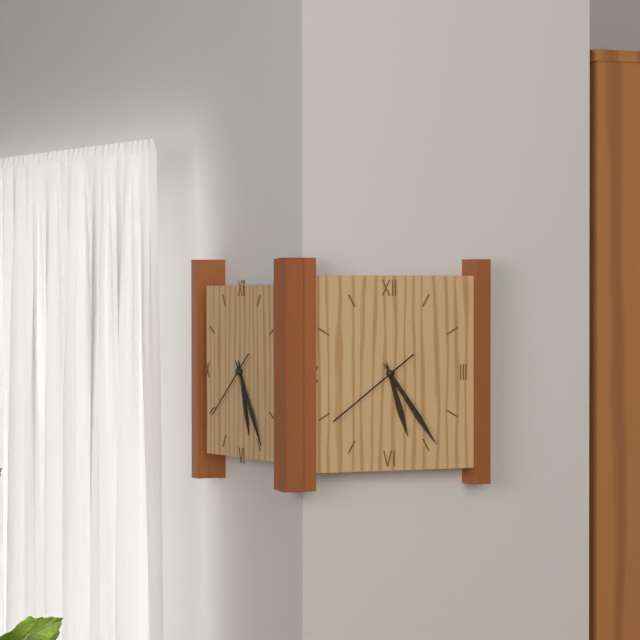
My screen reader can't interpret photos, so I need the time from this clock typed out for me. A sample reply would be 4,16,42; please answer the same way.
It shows 5,24,39
